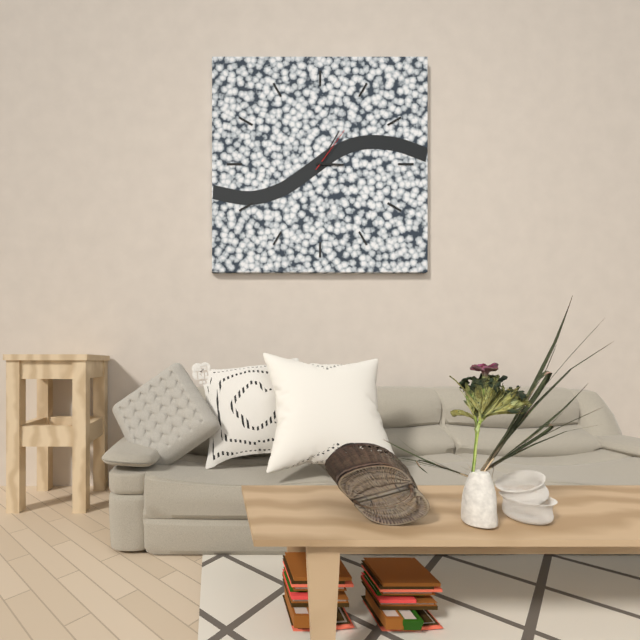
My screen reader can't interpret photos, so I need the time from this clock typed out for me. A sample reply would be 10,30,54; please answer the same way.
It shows 3,05,06
